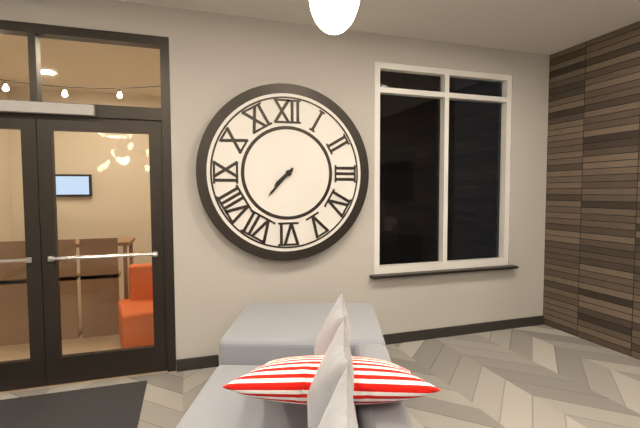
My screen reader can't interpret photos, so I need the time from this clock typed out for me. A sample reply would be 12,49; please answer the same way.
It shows 7,37
